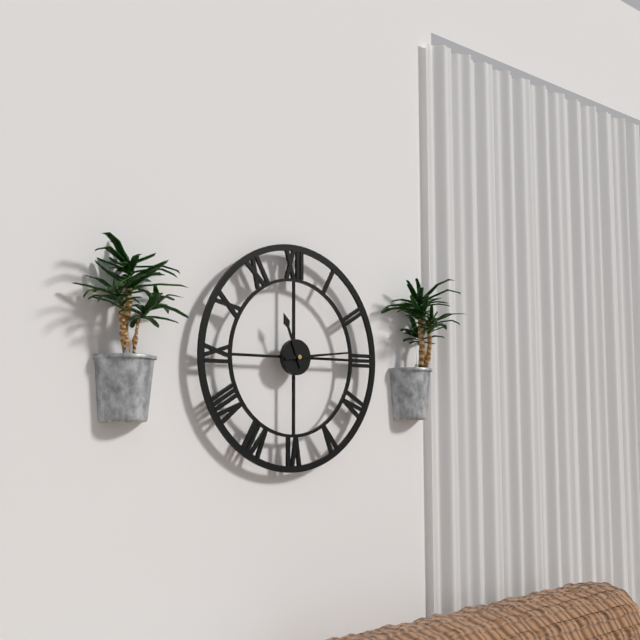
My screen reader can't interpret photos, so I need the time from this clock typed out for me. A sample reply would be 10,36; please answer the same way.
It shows 11,14
